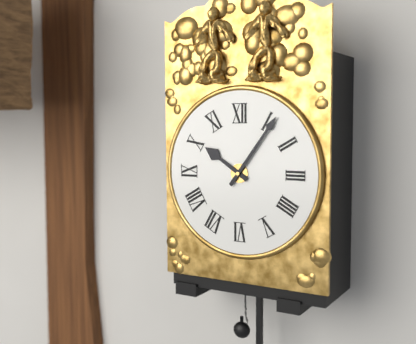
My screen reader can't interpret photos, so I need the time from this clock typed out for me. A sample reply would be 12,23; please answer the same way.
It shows 10,06
